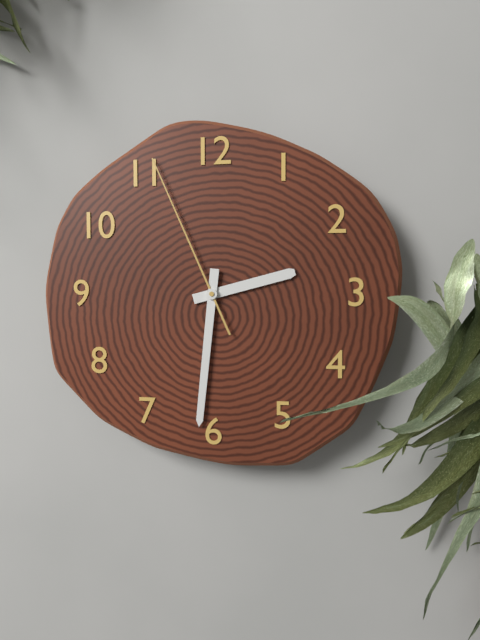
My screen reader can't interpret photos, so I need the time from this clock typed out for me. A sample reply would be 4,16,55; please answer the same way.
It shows 2,31,56
